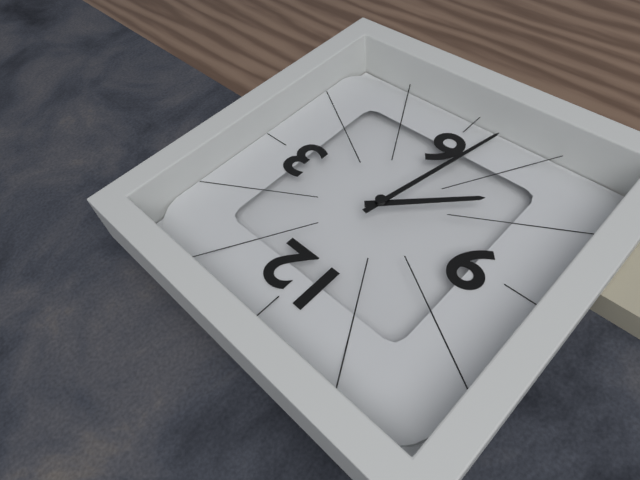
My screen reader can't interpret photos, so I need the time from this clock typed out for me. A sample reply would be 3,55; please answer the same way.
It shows 7,32
